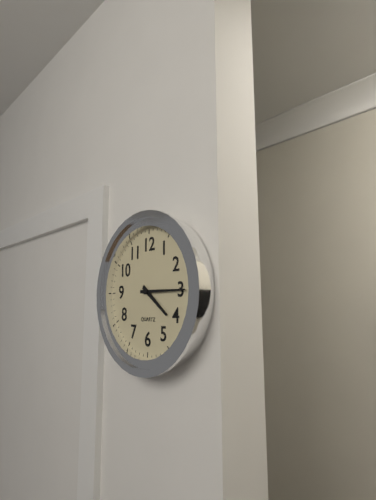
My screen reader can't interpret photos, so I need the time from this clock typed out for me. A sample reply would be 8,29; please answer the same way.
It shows 4,15
